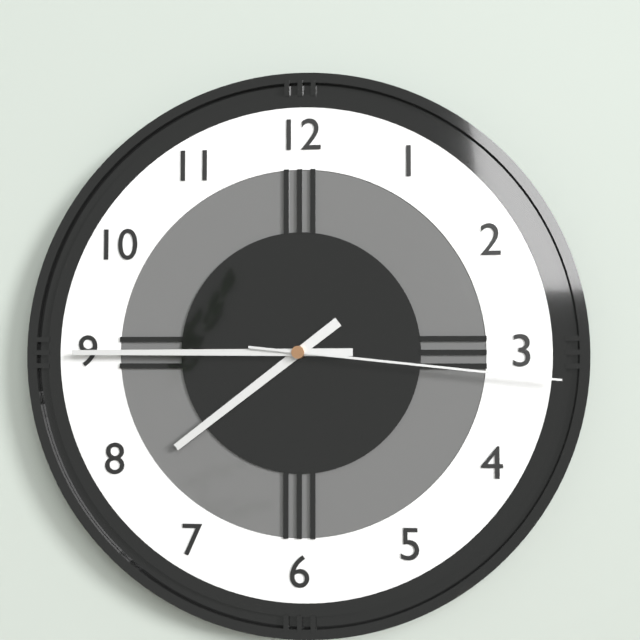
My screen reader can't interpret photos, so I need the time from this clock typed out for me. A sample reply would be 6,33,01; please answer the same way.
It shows 7,45,16
